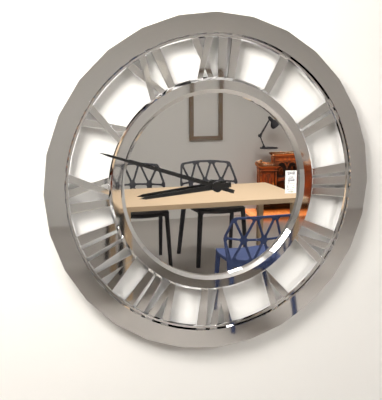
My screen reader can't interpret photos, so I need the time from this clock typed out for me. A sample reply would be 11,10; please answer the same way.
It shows 8,48
